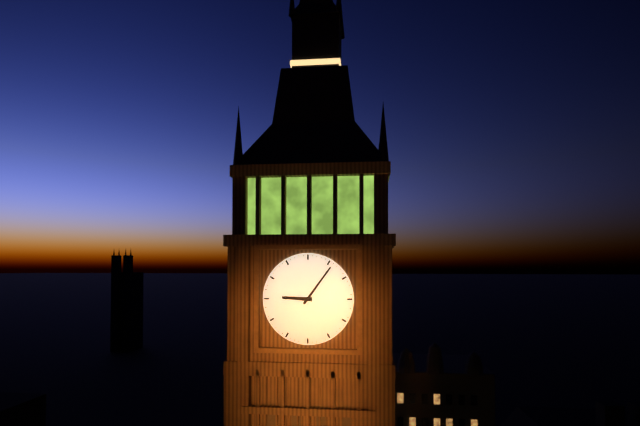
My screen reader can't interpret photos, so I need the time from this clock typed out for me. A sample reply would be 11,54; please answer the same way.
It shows 9,06
